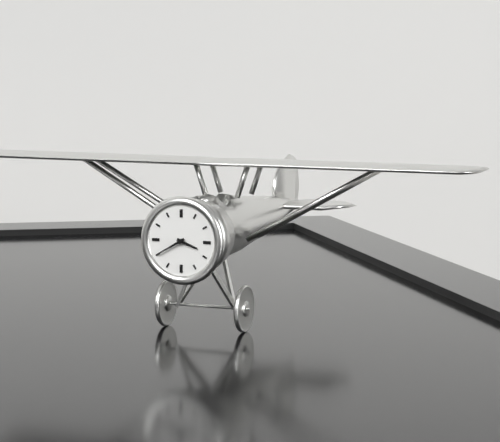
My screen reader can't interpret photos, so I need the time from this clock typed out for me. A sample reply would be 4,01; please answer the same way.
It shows 3,40
